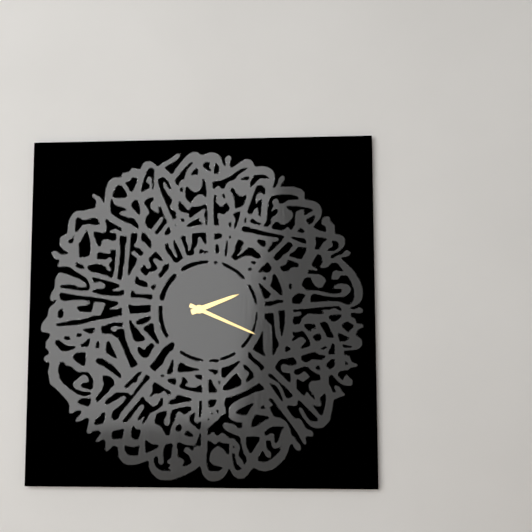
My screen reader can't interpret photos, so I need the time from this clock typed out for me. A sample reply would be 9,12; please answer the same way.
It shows 2,19
